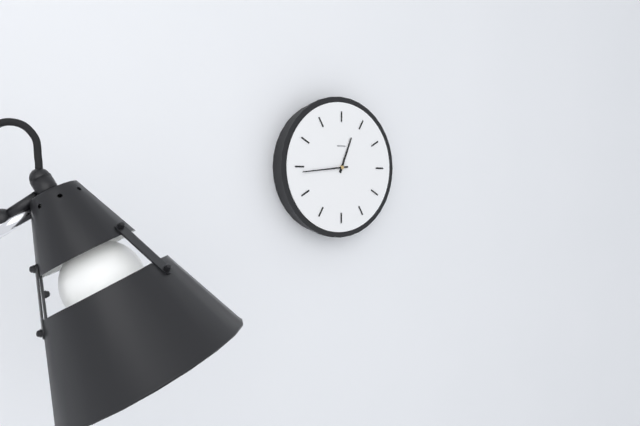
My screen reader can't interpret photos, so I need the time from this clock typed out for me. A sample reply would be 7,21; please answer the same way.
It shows 12,44
